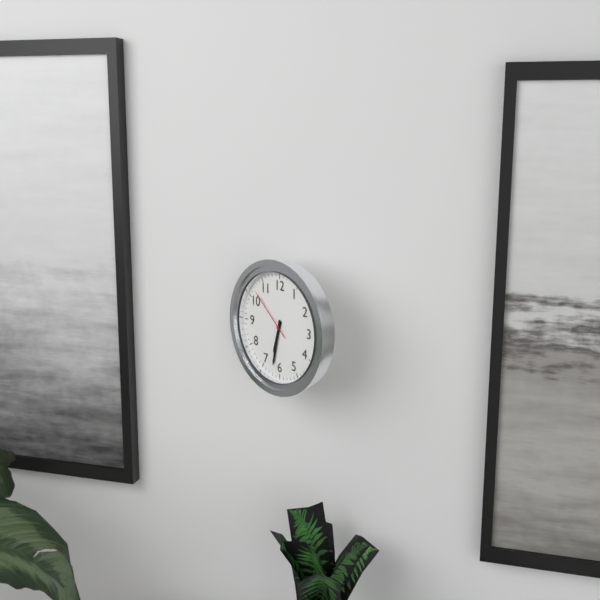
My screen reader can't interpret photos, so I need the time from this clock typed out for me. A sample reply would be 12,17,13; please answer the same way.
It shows 6,32,52
